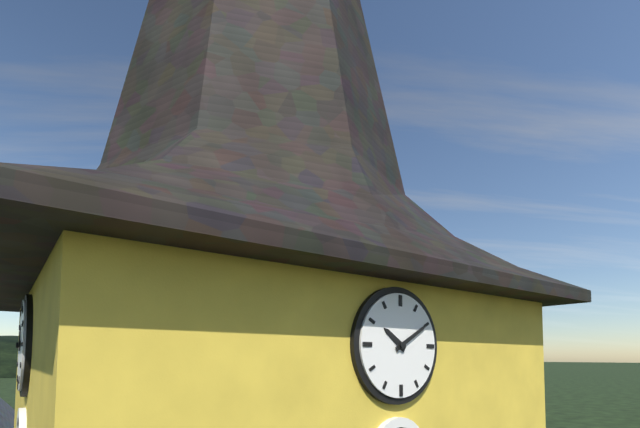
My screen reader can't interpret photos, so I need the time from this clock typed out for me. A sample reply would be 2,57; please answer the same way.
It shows 10,10
